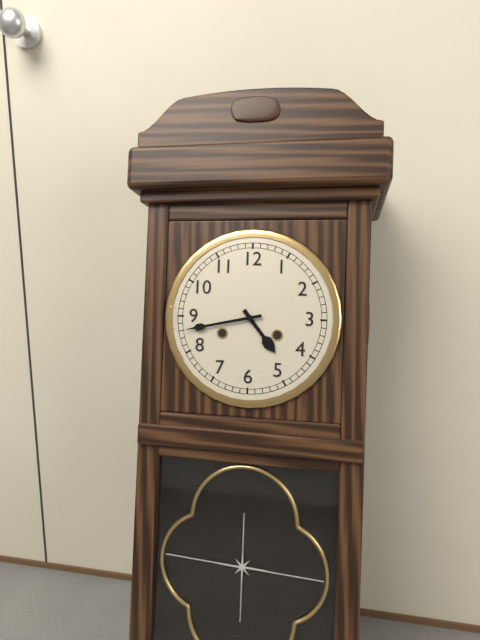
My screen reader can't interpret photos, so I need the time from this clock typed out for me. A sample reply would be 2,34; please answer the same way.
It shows 4,43
